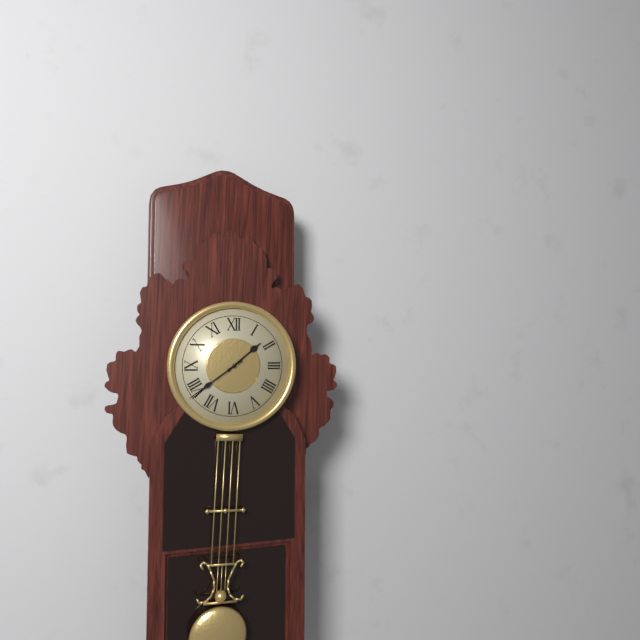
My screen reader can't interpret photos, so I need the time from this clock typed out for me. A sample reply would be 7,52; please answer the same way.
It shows 1,39
